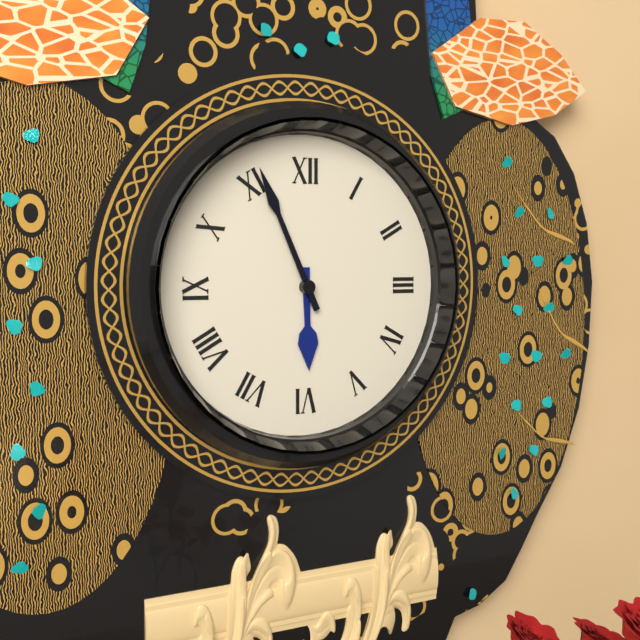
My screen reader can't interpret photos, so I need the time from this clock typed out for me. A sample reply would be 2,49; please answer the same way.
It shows 5,56
